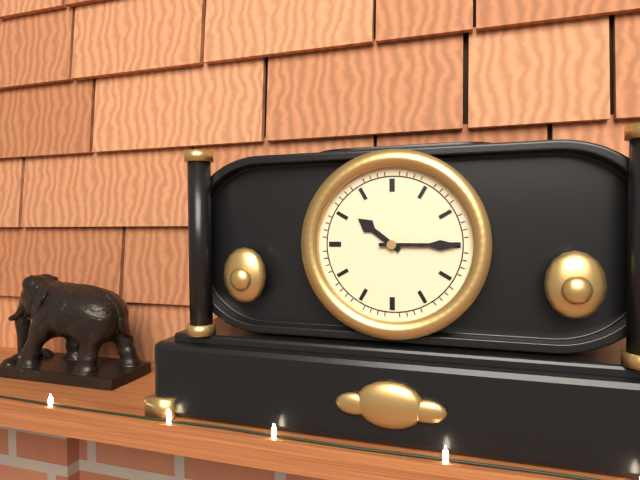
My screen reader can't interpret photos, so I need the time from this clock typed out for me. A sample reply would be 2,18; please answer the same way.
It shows 10,15
